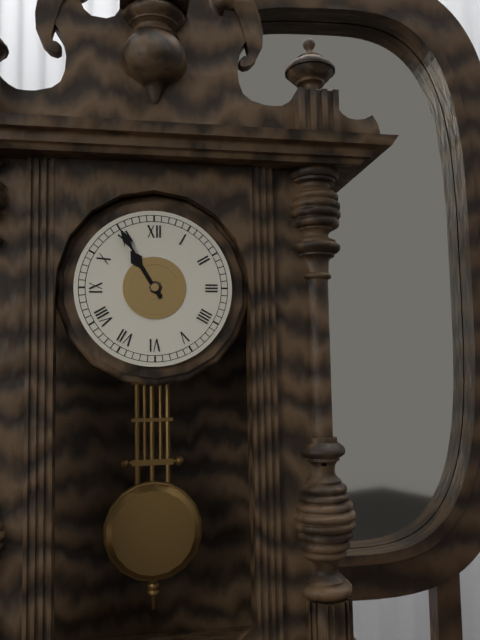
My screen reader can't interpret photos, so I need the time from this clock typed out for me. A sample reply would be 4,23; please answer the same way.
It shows 10,55
